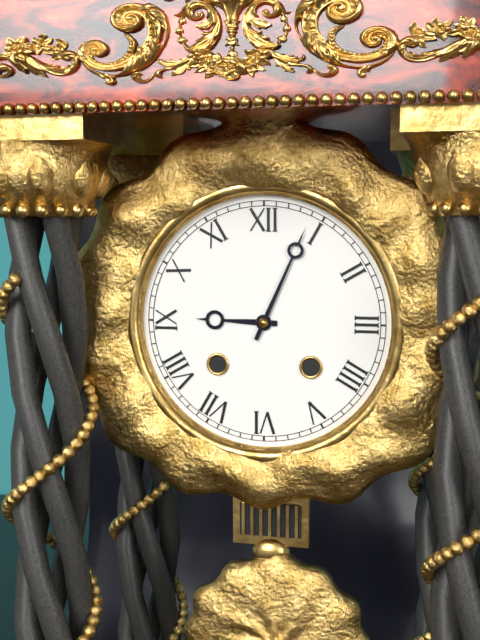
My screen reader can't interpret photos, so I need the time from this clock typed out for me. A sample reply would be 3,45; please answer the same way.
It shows 9,04
